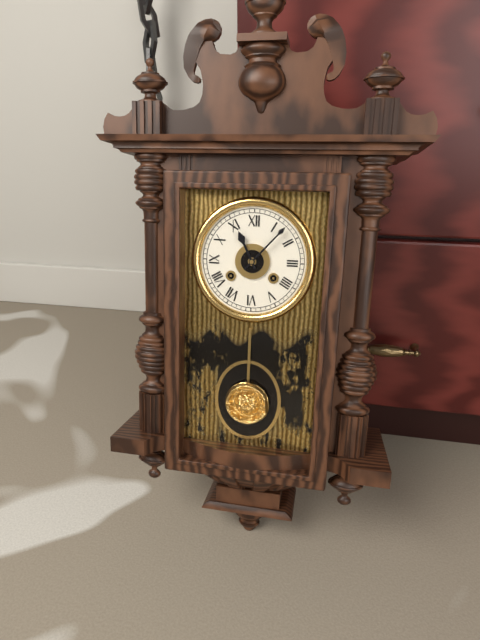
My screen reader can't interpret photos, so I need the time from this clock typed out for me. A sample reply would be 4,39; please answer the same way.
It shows 11,07
